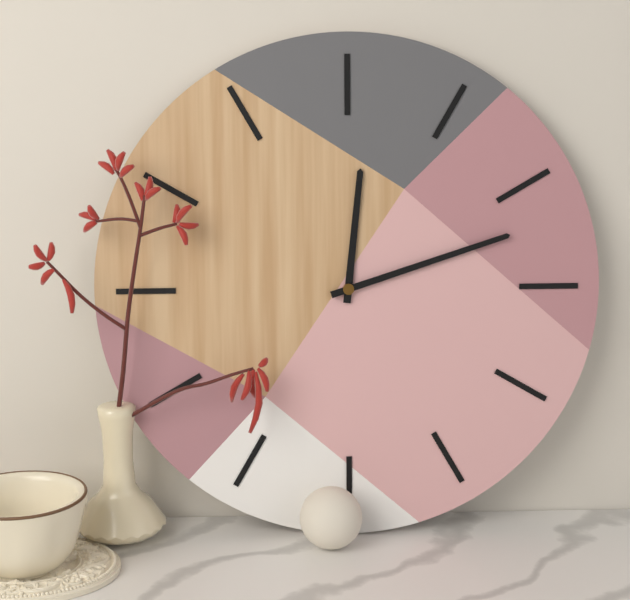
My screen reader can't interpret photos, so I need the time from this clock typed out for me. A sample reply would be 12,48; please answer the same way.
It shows 12,12
